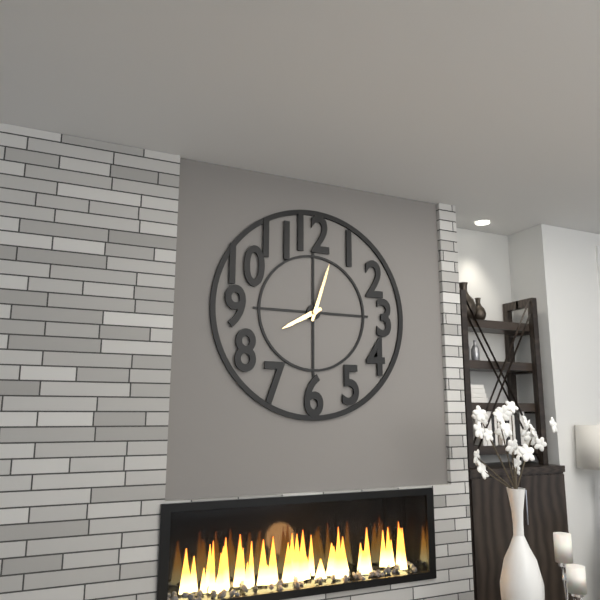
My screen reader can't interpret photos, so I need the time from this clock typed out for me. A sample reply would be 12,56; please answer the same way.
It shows 8,03
